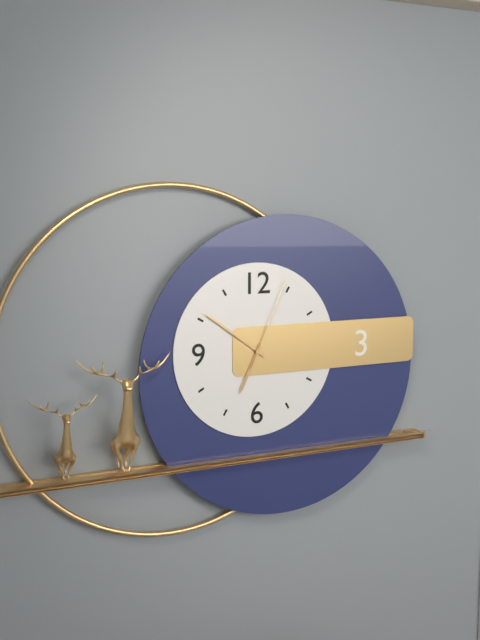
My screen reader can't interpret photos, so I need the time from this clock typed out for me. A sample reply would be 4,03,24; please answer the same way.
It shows 6,51,04
